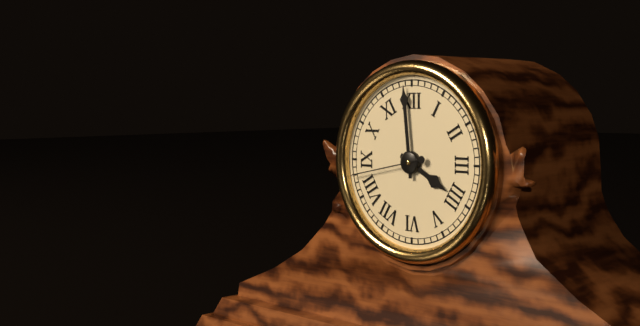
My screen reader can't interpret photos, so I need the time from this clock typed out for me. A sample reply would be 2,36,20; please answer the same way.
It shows 3,59,43
